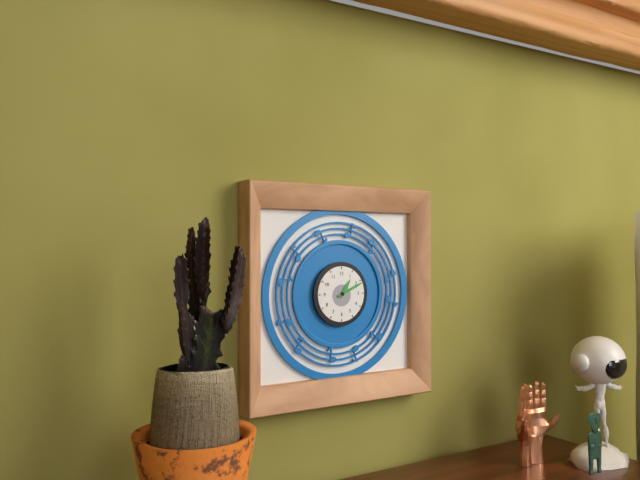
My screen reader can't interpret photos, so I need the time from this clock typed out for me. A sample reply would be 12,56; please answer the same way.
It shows 1,11
